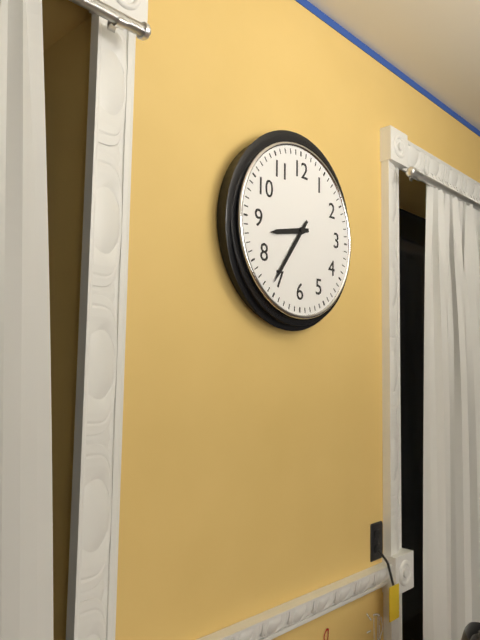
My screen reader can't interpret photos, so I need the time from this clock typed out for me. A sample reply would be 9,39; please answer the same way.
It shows 8,36
